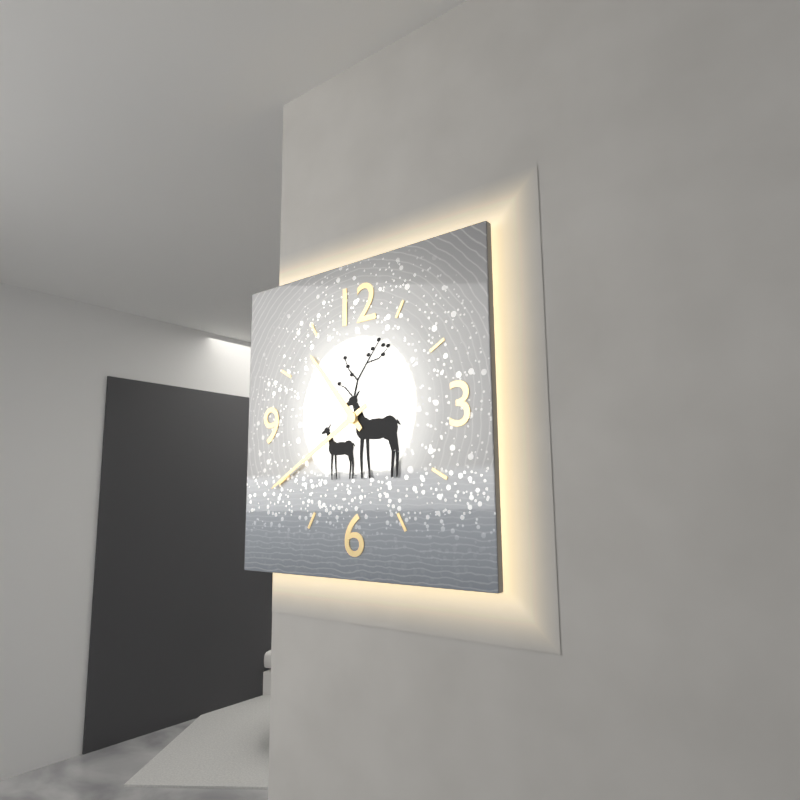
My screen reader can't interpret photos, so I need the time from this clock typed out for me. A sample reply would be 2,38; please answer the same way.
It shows 10,40
